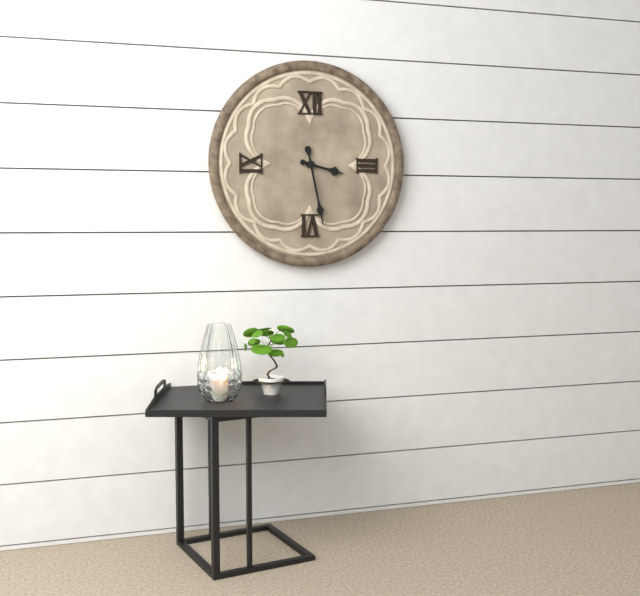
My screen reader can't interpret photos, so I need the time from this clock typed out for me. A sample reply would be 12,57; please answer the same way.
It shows 3,28
